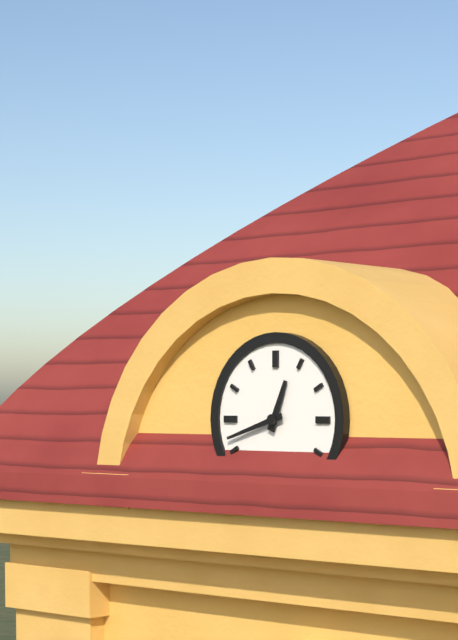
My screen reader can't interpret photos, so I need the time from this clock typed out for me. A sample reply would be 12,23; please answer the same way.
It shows 12,42
